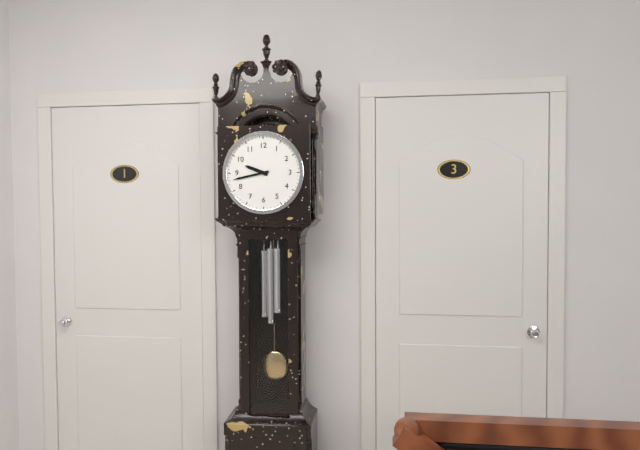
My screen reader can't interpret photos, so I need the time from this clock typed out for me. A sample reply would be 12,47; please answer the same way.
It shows 9,43
